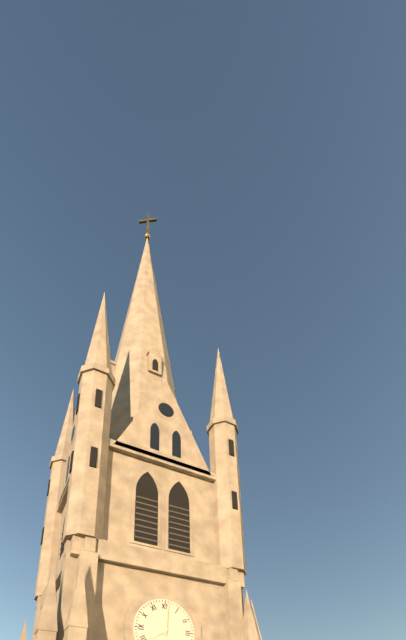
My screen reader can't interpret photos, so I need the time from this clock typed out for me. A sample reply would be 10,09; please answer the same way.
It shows 8,01
